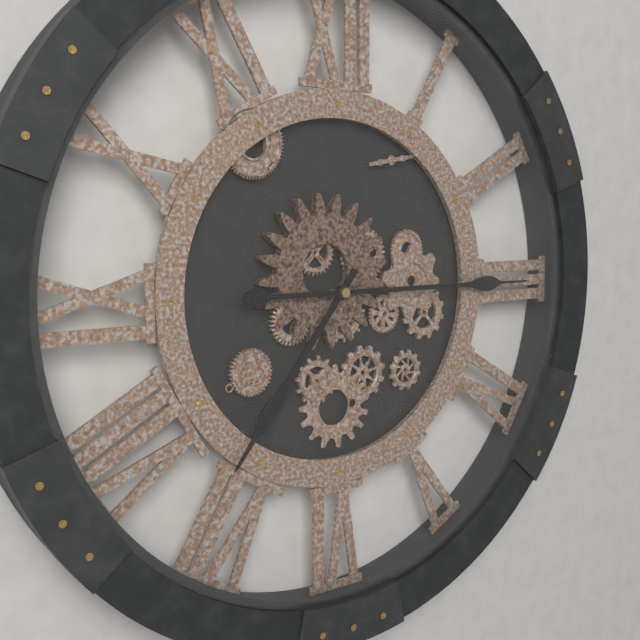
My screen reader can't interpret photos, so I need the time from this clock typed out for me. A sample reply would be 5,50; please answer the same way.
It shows 7,15
